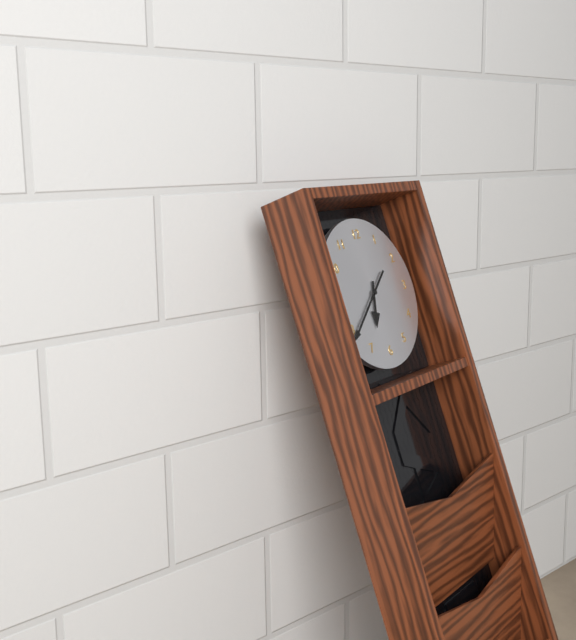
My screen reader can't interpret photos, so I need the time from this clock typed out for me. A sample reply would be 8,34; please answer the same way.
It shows 6,39
